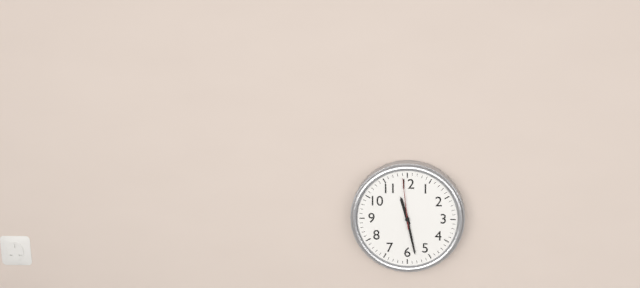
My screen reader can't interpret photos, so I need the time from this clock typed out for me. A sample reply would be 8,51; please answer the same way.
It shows 11,28
